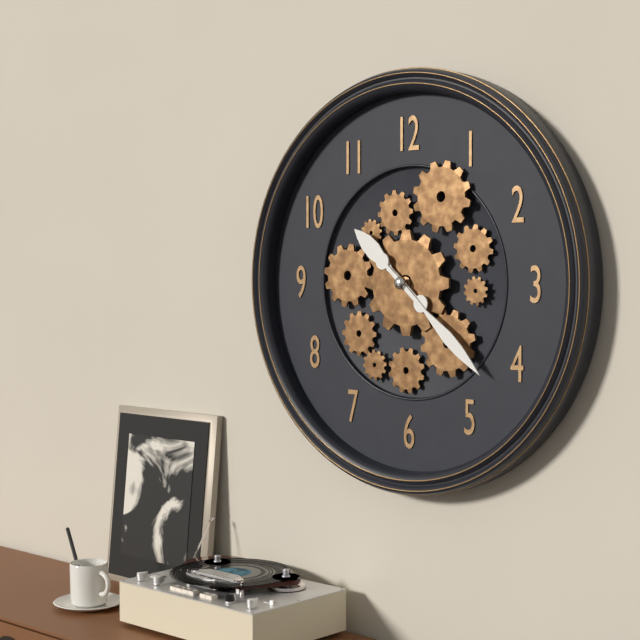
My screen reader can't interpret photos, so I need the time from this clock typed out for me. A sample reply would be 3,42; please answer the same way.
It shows 10,22
